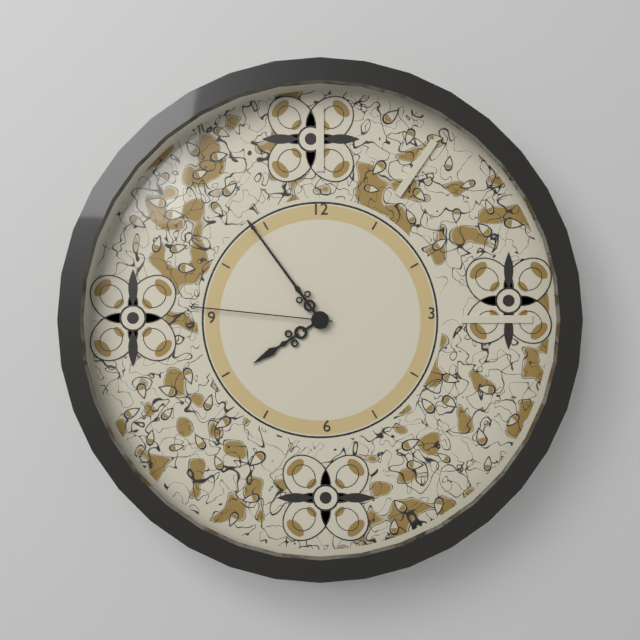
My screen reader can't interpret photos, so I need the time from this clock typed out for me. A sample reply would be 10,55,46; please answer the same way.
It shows 7,54,46
